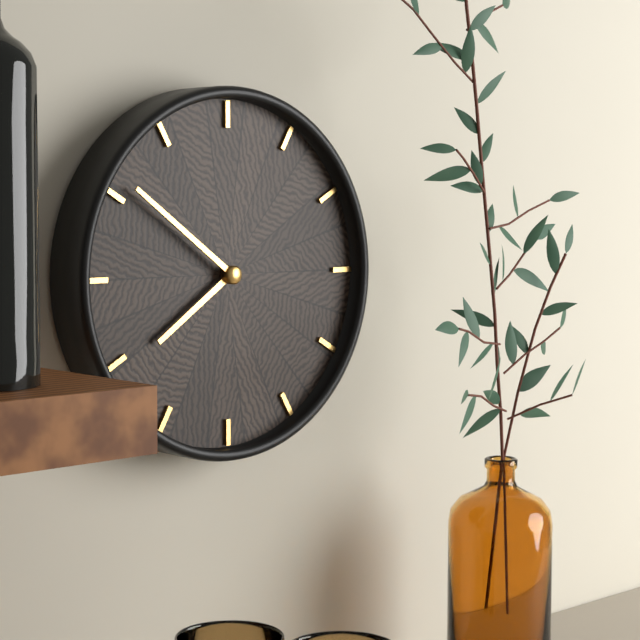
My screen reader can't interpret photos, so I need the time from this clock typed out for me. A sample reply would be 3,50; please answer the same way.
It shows 7,51
